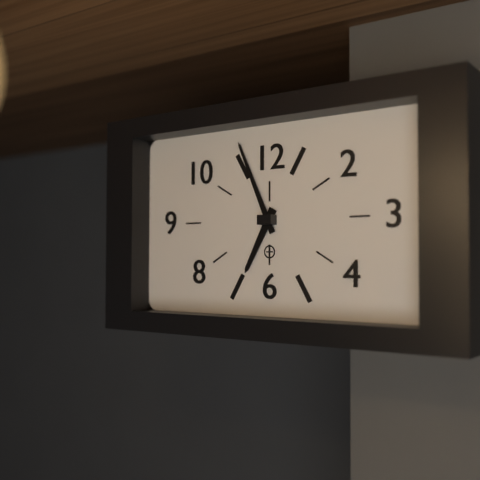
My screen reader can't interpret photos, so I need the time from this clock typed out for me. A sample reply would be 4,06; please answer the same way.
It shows 6,56
